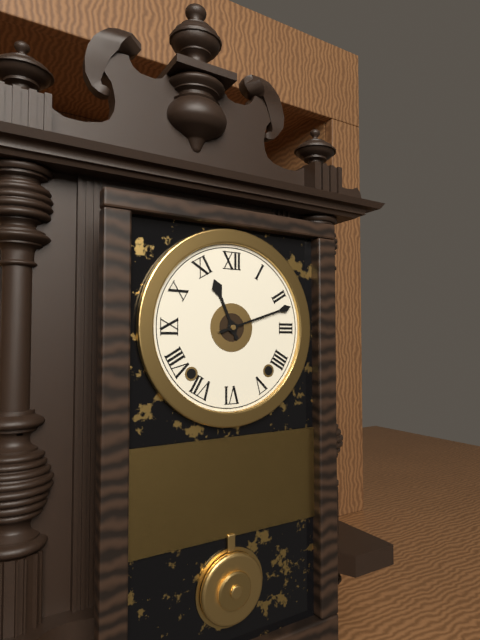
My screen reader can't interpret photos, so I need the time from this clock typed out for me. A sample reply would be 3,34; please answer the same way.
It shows 11,12
